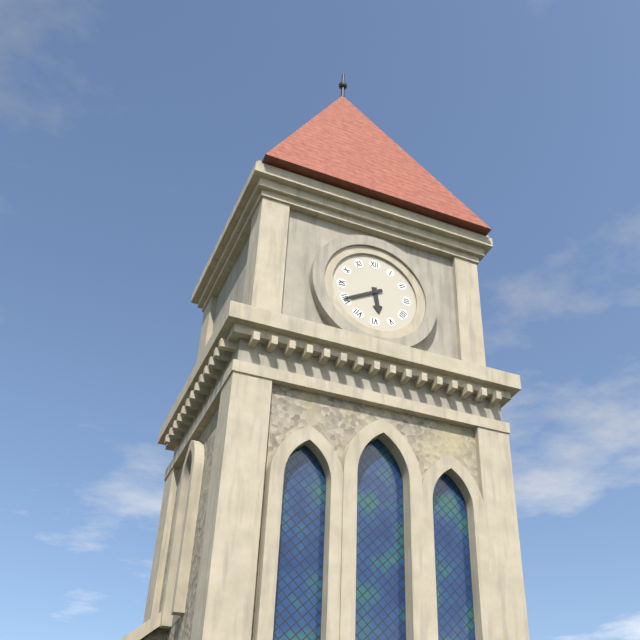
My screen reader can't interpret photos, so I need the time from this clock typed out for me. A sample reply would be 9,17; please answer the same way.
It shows 5,40
